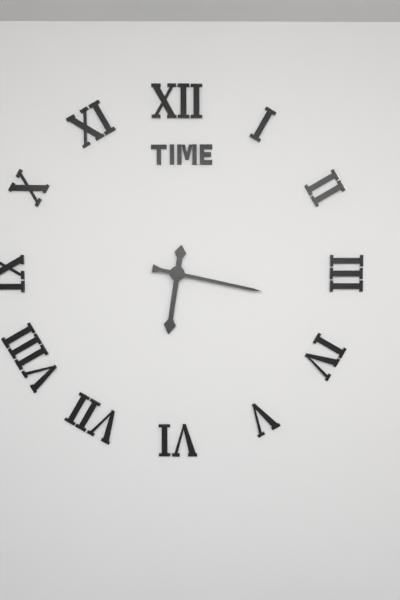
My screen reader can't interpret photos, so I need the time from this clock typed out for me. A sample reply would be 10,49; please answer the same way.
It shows 6,17
